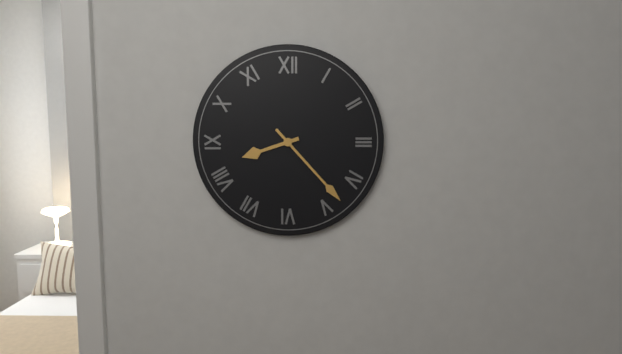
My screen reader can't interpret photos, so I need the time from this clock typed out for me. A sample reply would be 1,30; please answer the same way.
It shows 8,23
